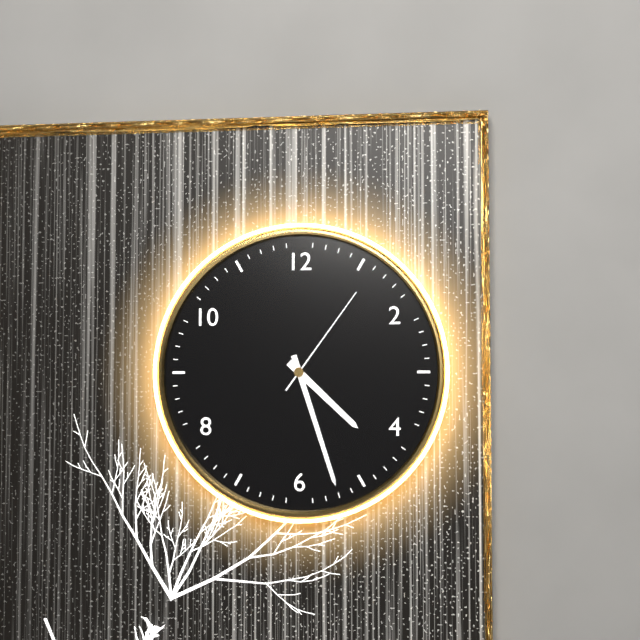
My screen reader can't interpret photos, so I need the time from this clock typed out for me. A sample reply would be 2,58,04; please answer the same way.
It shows 4,27,06
